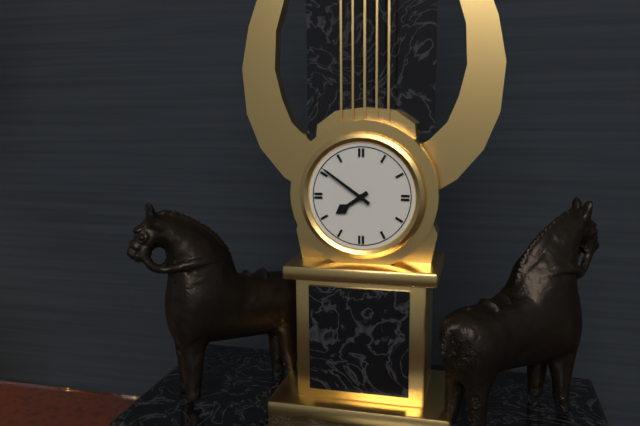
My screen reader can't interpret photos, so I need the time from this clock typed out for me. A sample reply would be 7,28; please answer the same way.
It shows 7,51
